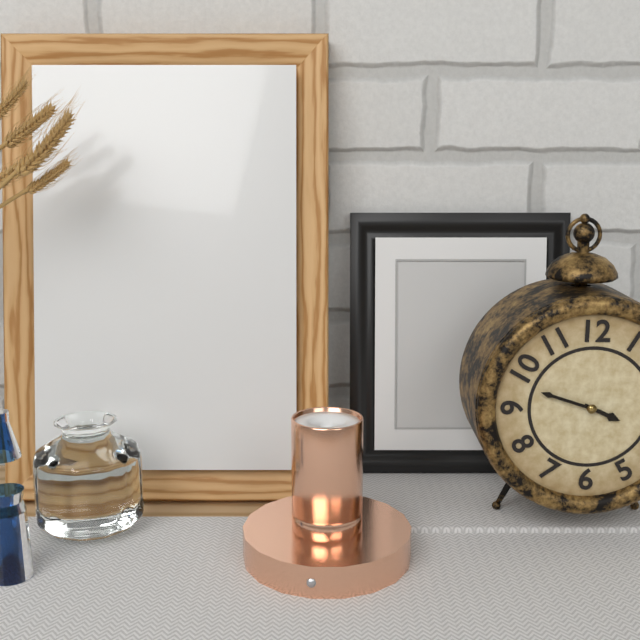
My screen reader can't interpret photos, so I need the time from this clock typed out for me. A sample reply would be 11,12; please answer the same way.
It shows 3,48
